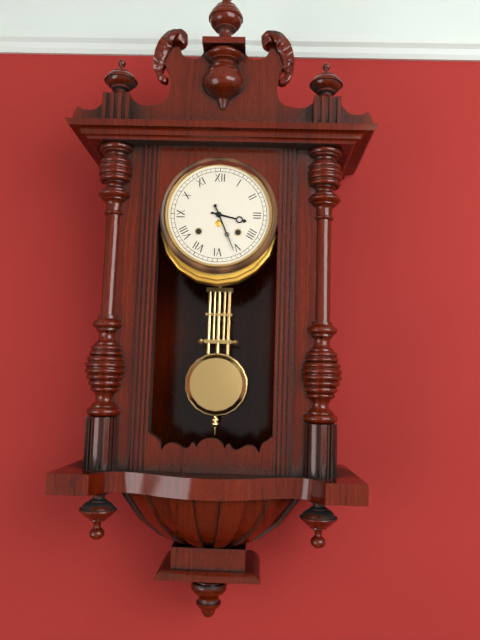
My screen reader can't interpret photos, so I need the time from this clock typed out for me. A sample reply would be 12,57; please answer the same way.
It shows 3,26
